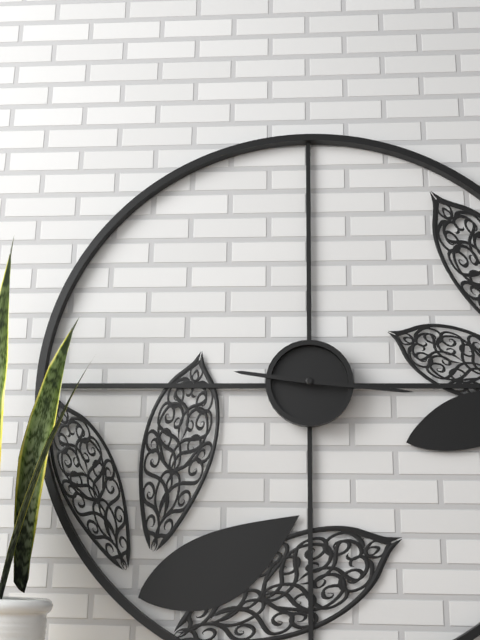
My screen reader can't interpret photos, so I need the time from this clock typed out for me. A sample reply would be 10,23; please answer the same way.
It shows 9,16
